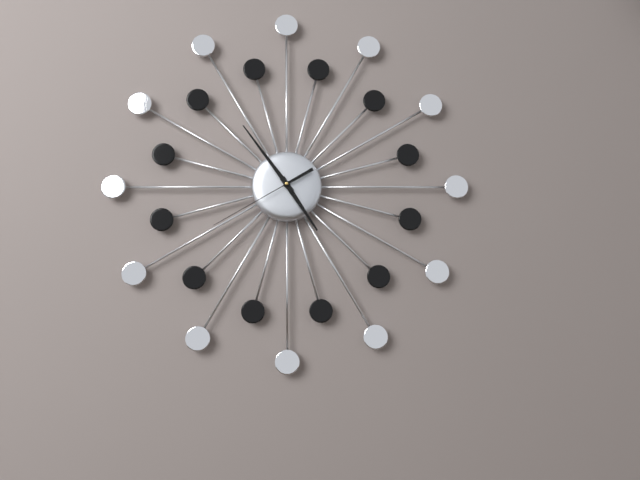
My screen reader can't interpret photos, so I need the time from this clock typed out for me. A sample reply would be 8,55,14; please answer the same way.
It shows 4,54,40
